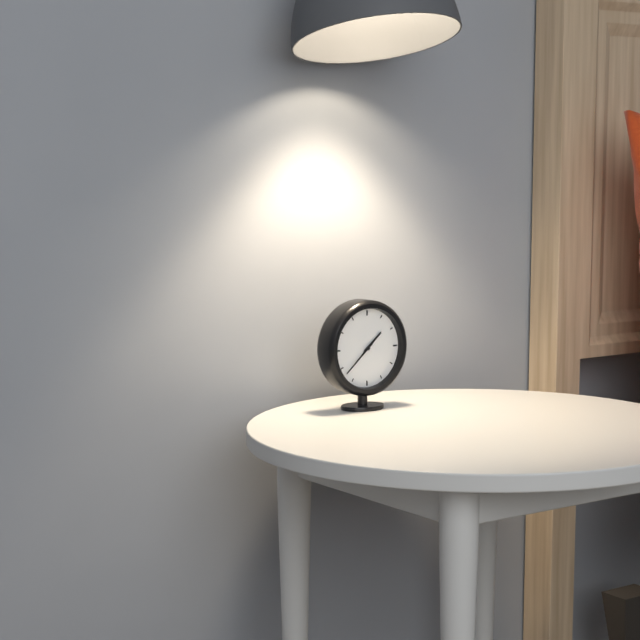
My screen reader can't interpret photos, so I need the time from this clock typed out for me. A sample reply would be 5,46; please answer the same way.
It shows 1,38
